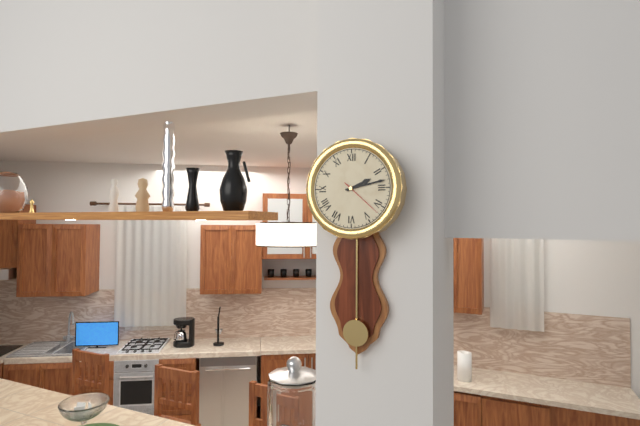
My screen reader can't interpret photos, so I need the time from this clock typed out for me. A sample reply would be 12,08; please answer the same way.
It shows 2,13
